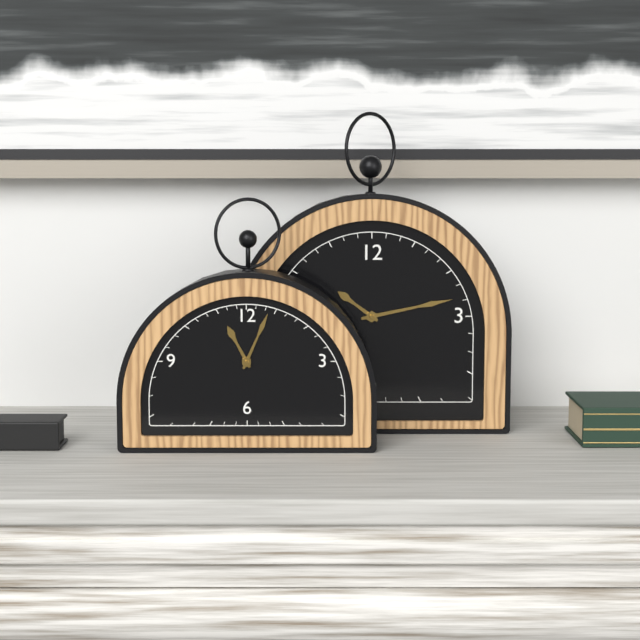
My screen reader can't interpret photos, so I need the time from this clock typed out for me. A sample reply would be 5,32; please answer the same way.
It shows 11,04
